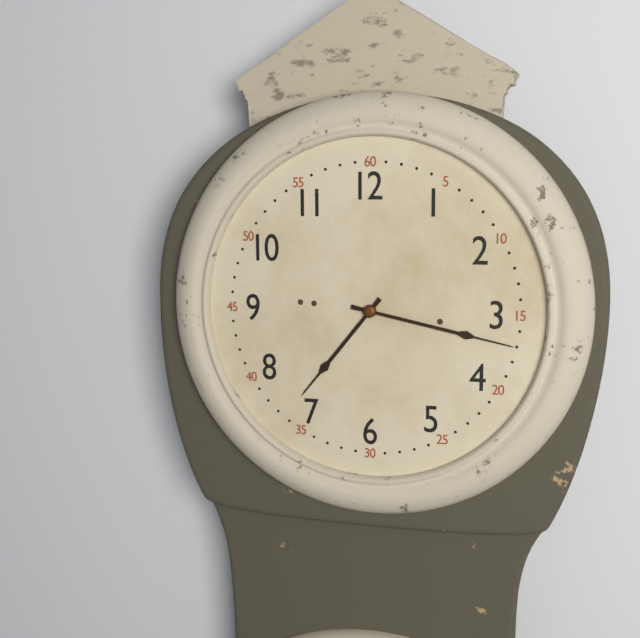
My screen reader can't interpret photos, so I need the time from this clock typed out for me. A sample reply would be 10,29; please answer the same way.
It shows 7,17
